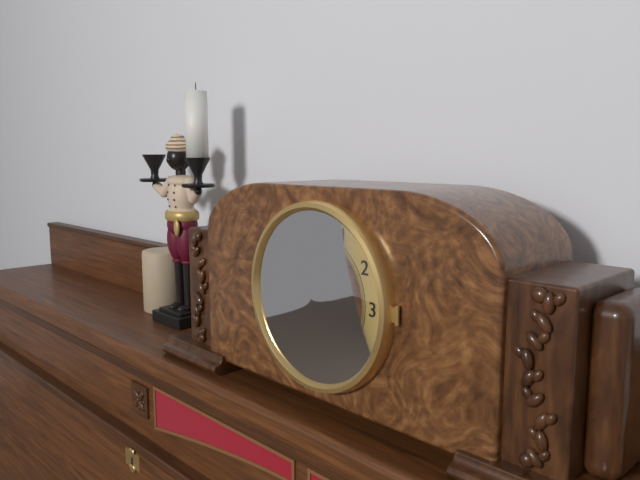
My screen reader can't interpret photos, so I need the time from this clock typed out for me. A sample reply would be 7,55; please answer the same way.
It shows 7,59
